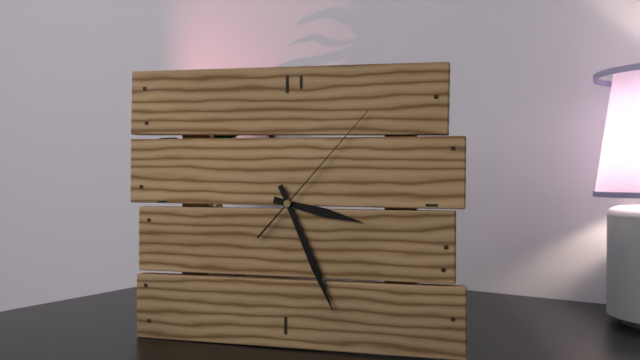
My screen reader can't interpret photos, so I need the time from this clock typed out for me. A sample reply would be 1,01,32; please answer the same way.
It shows 3,26,07
